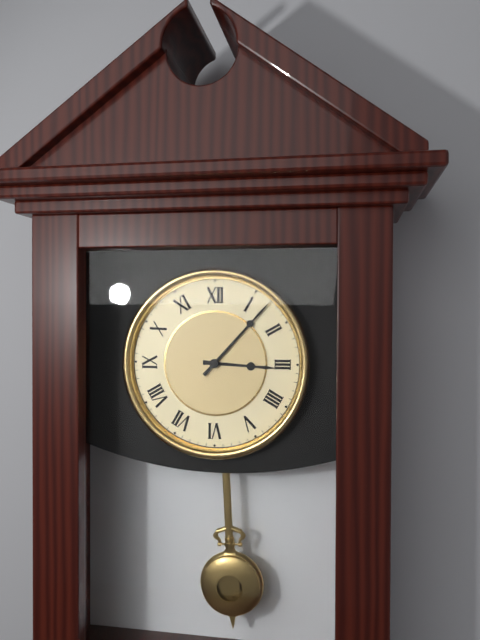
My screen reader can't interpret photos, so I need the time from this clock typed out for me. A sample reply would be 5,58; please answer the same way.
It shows 3,07
